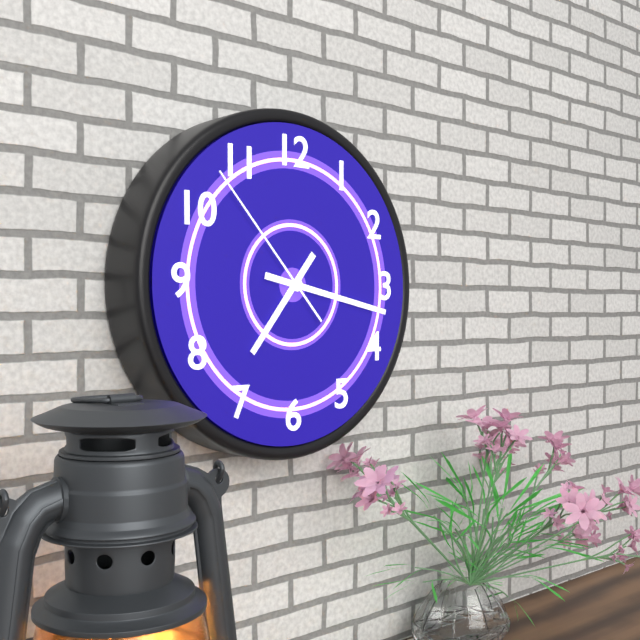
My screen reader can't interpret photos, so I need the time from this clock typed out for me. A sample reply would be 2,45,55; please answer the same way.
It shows 7,17,53
